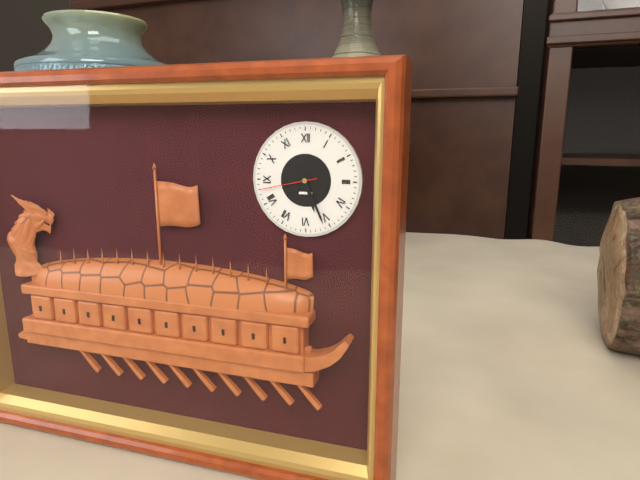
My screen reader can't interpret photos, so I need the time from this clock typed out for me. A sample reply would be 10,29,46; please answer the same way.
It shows 5,26,43
